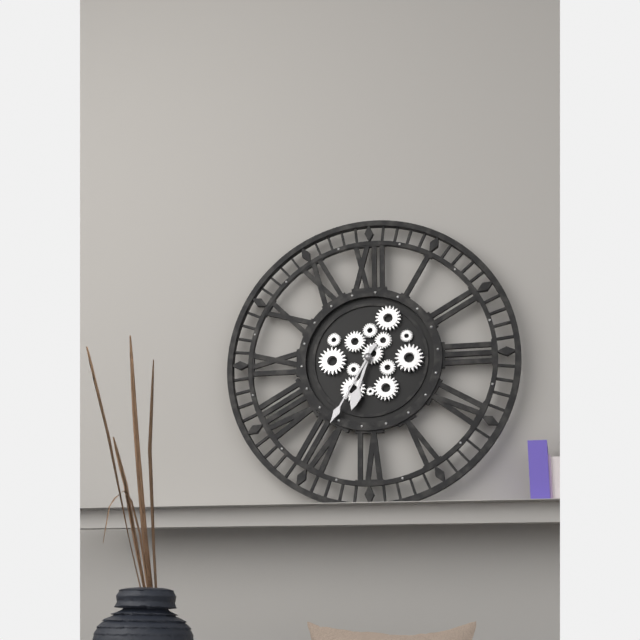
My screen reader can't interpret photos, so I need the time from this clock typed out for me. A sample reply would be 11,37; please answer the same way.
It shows 6,35
